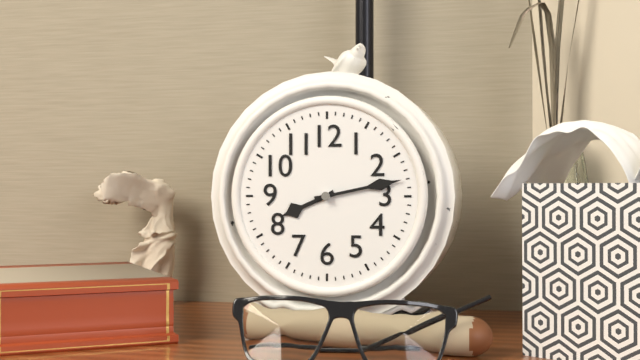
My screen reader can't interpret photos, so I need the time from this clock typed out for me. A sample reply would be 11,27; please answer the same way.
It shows 8,13
